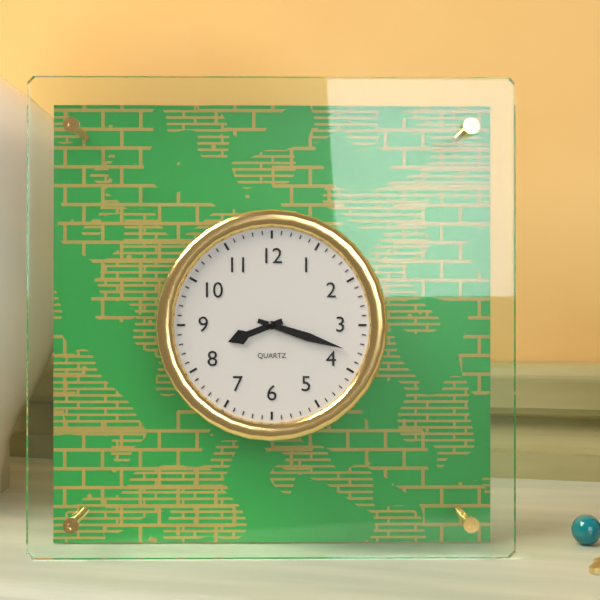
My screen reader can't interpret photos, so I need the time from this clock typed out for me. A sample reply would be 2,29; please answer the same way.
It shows 8,18
